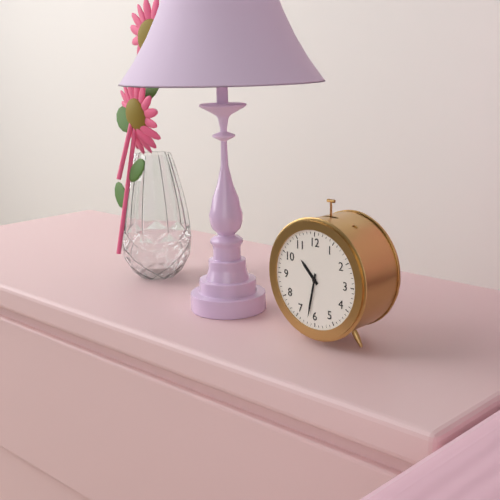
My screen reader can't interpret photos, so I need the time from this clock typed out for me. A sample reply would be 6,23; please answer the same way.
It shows 10,32
